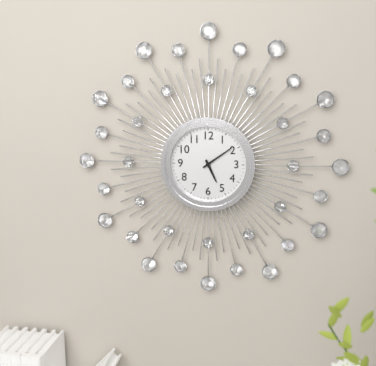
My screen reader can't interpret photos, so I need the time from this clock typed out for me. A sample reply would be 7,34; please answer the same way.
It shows 5,09
